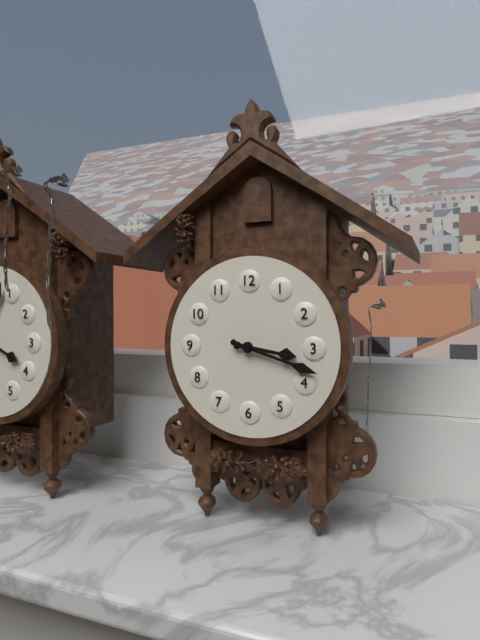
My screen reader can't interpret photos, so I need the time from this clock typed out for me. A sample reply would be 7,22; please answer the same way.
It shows 3,18
